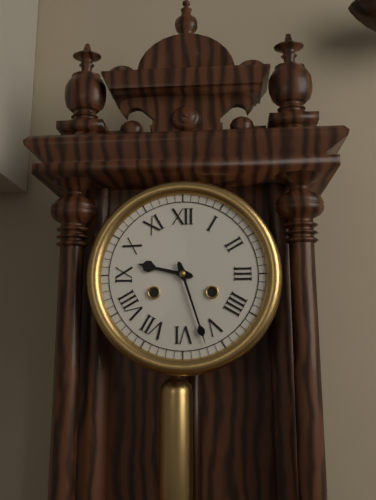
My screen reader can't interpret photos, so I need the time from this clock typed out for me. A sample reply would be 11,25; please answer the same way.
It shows 9,27
